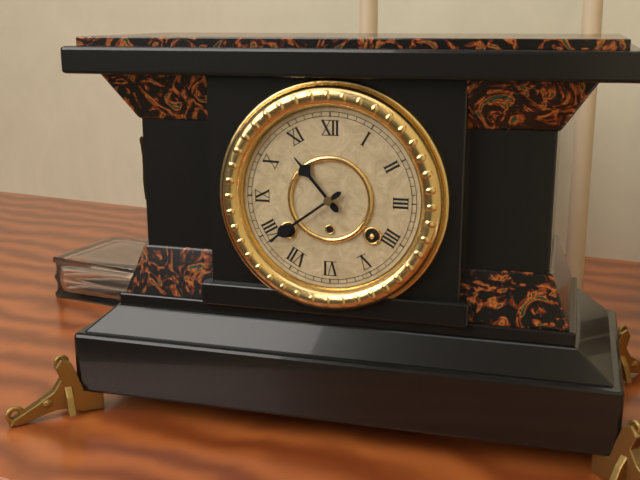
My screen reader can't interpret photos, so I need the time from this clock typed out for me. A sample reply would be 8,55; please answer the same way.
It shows 10,39
